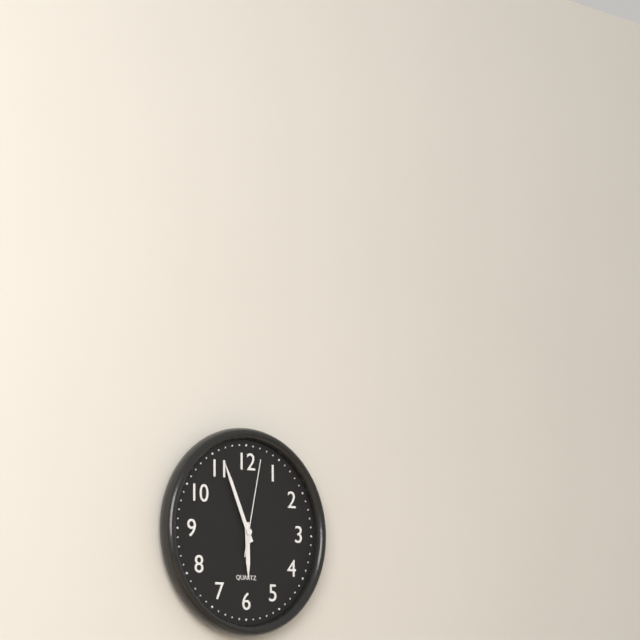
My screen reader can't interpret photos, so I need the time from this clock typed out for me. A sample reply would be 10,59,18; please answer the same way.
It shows 5,56,02
